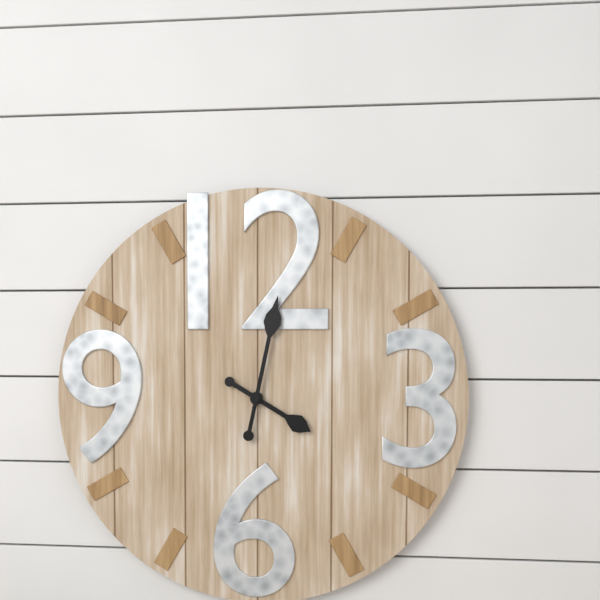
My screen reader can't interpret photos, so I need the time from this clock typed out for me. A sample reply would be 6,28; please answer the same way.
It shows 4,02
